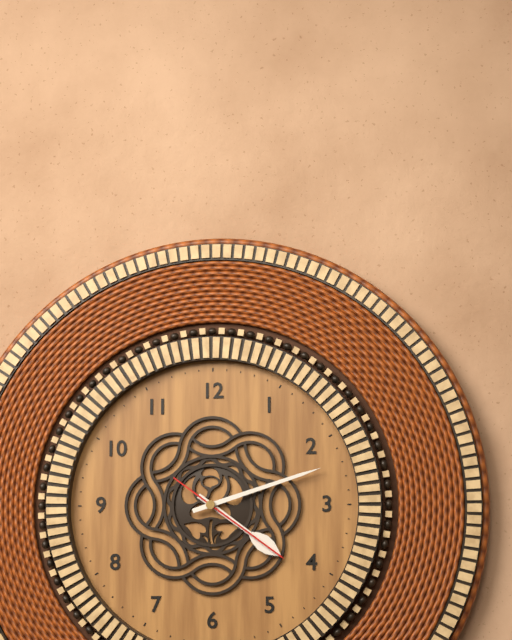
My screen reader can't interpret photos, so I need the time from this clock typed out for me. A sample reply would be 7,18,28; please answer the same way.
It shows 4,12,21
